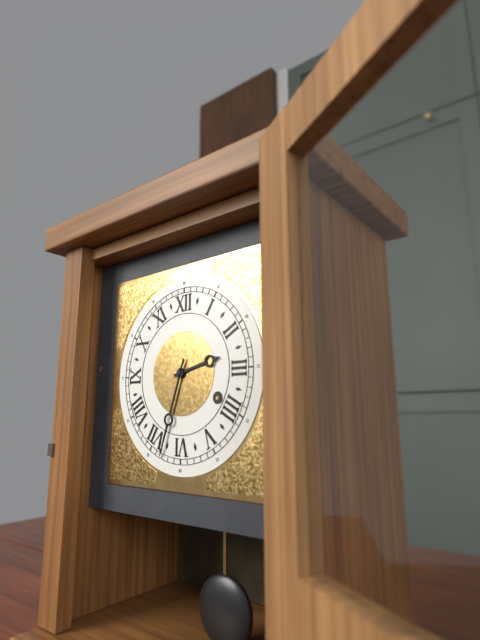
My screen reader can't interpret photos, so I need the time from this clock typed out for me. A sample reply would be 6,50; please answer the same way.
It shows 2,33
